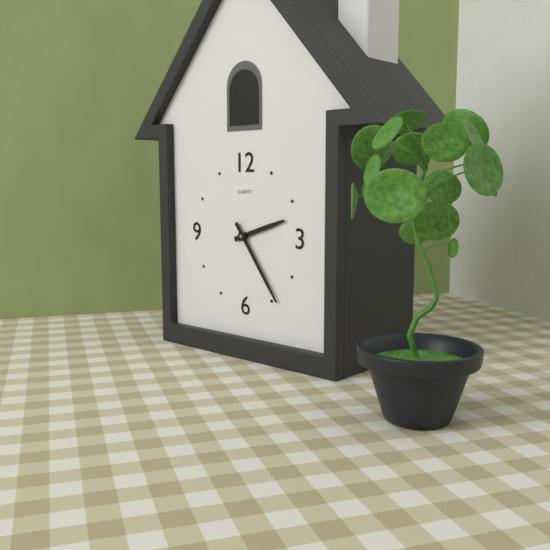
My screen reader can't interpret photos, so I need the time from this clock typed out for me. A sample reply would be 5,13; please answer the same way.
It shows 2,24
